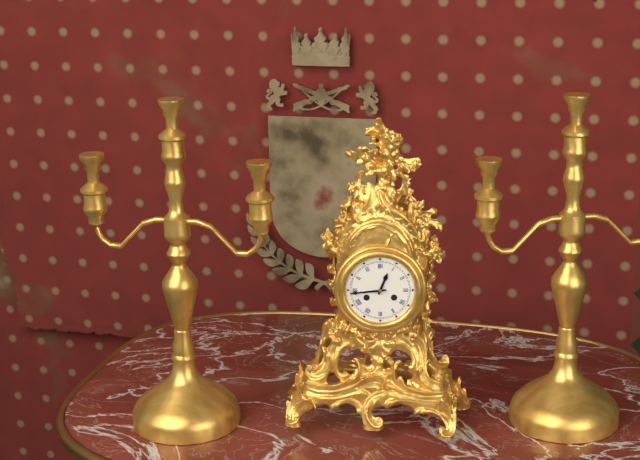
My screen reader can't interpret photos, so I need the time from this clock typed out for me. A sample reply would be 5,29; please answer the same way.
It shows 12,44
